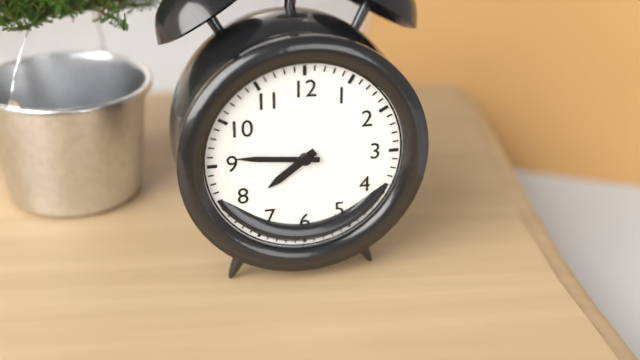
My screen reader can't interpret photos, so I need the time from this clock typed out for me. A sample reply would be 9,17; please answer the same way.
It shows 7,46
